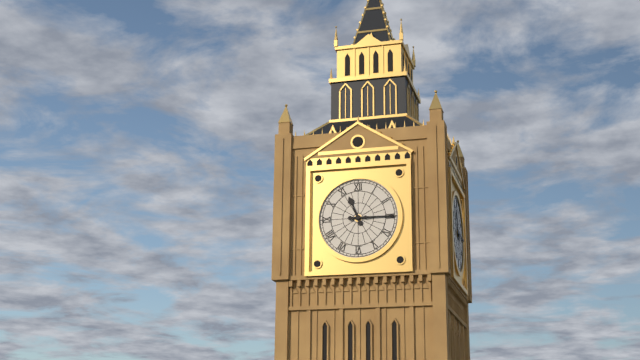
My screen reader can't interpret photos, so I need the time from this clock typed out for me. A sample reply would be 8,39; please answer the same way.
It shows 11,15
